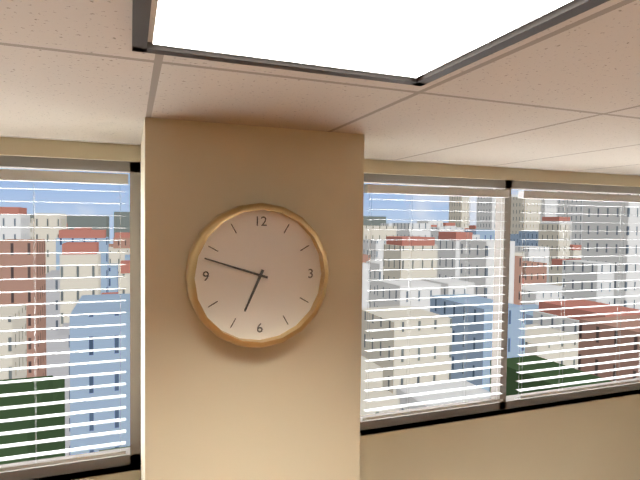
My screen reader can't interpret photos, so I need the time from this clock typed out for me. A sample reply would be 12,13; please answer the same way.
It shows 6,48
